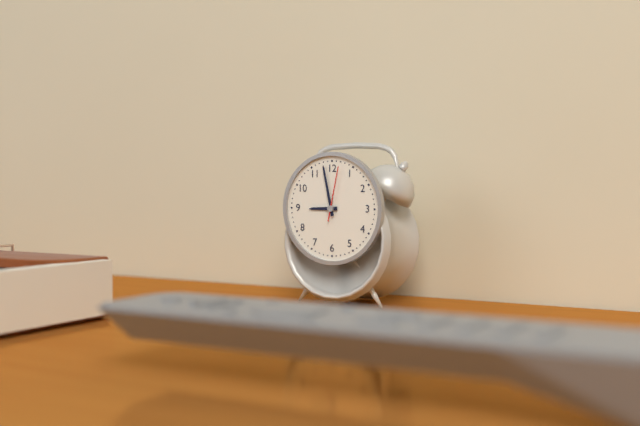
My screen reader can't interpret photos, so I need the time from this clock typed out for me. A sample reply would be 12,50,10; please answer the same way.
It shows 8,58,02
